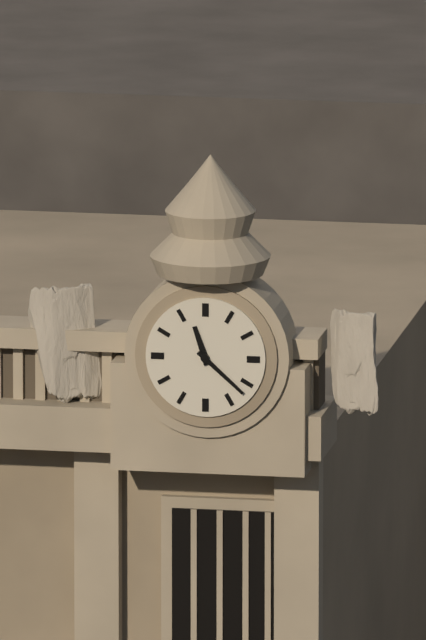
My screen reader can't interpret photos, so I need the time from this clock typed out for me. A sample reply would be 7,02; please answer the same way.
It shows 11,22
